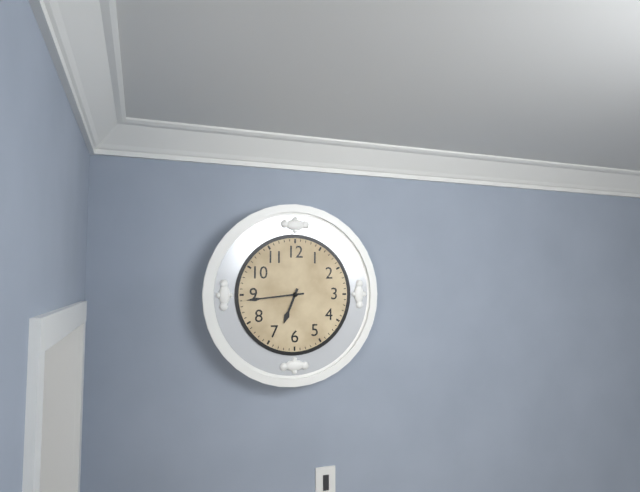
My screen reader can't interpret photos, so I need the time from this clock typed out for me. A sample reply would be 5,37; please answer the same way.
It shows 6,44
